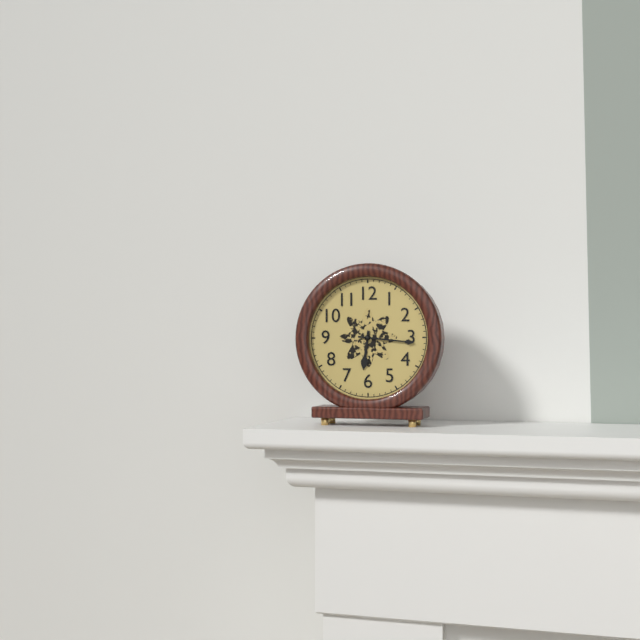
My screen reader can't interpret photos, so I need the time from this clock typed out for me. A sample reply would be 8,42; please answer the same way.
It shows 6,16
